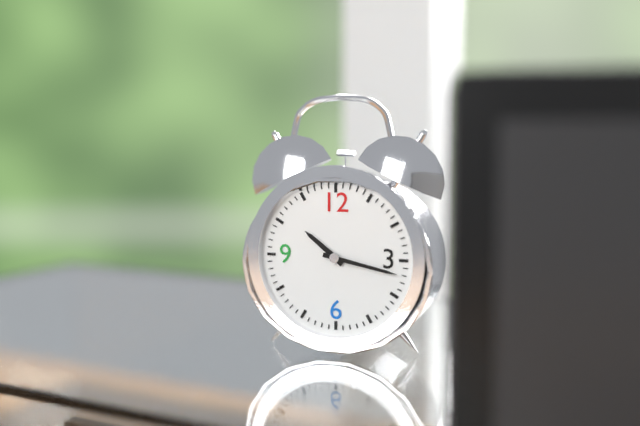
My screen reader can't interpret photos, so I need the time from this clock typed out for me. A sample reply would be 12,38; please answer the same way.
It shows 10,17
